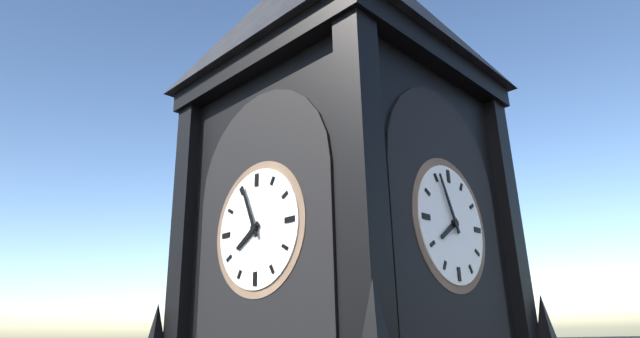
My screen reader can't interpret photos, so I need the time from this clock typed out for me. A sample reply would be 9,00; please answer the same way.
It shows 7,56
